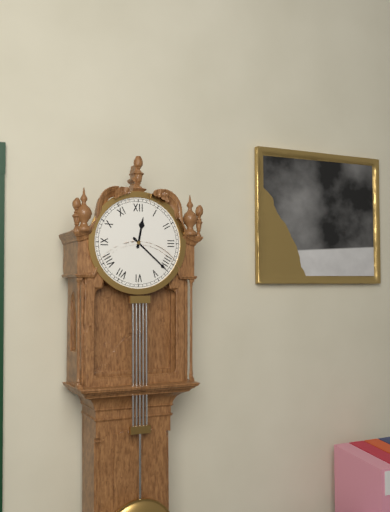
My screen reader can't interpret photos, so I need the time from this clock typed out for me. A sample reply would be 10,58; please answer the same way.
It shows 12,22
